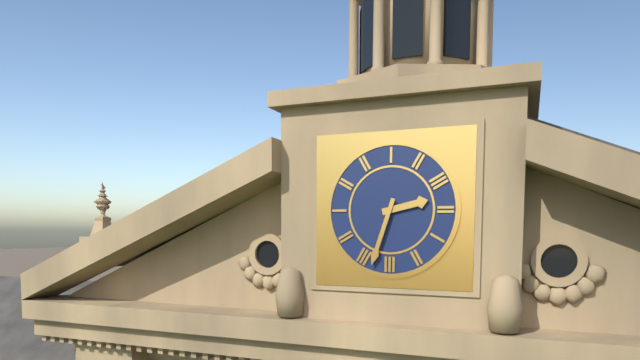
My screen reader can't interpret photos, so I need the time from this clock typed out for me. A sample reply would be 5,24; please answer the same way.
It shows 2,33
